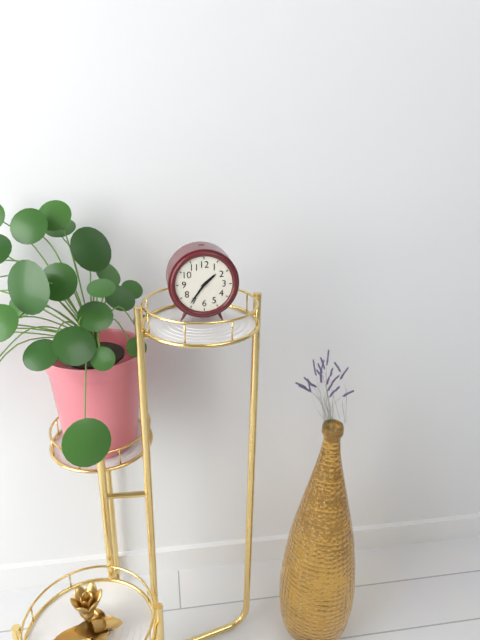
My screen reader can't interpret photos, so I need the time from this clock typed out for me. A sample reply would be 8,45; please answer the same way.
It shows 1,36
